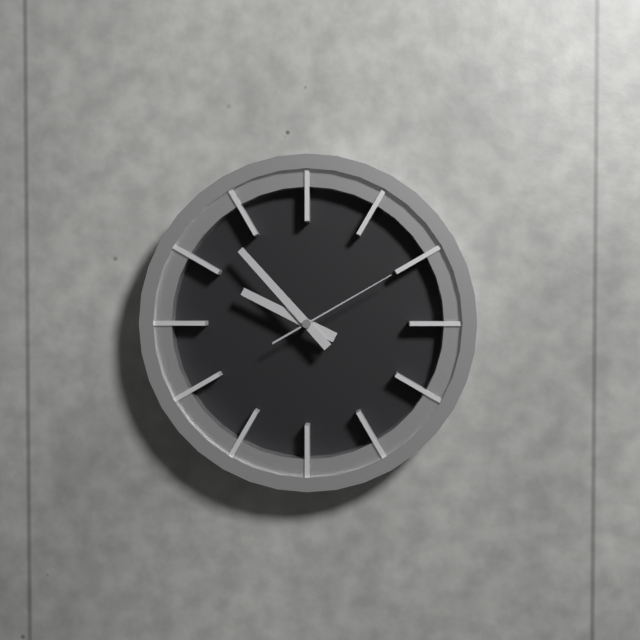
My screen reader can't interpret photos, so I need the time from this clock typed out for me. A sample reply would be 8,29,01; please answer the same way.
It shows 9,53,10
